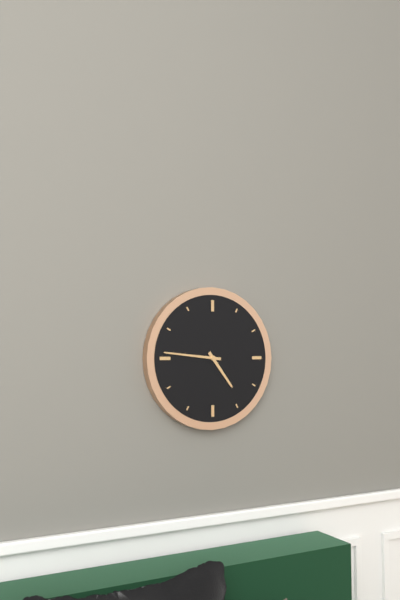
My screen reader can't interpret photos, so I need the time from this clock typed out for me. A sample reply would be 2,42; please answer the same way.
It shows 4,46
